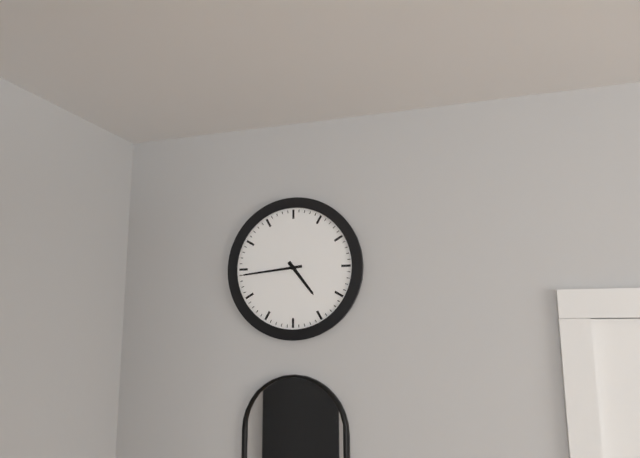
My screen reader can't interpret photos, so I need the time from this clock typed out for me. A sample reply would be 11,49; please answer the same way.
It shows 4,44
